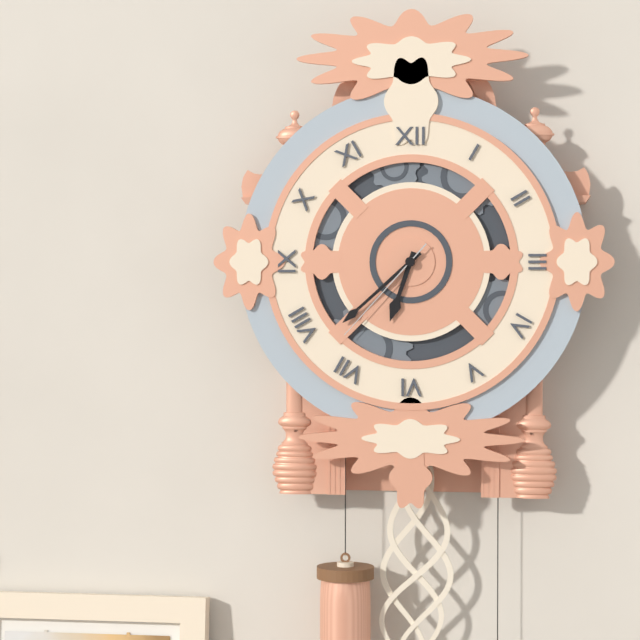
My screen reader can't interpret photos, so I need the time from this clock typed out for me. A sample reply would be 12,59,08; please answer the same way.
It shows 6,38,37
